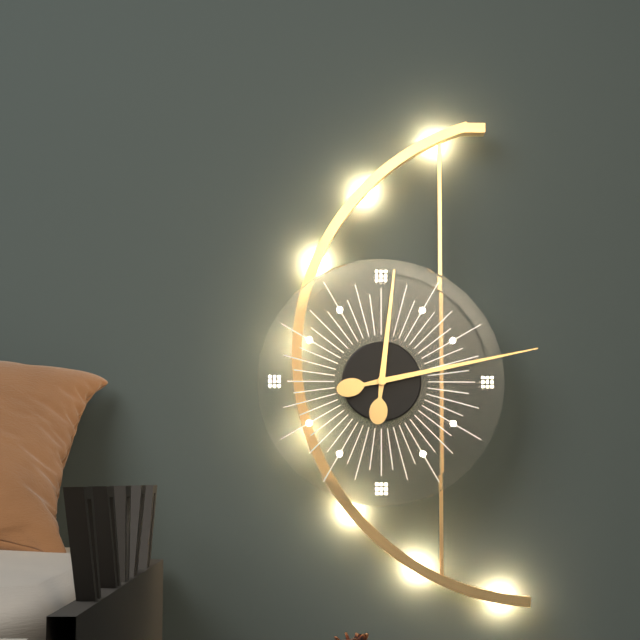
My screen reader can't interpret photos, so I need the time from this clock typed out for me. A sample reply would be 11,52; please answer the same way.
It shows 12,13
